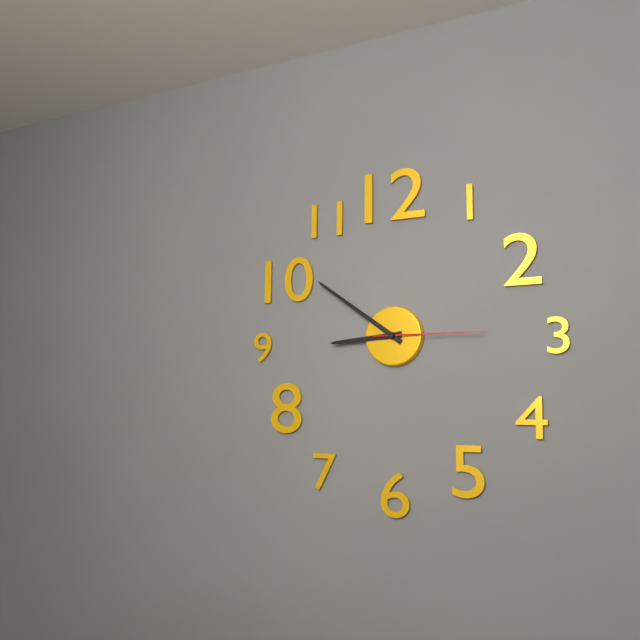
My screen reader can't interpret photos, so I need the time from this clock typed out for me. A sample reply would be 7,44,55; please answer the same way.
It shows 8,51,15
